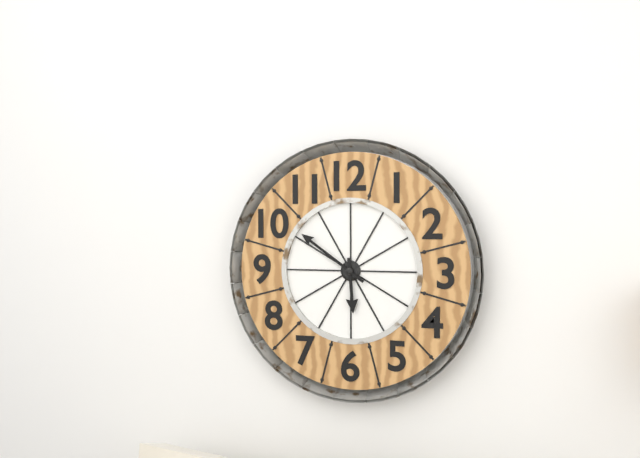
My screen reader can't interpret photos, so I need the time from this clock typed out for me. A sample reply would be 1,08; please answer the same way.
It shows 5,51
